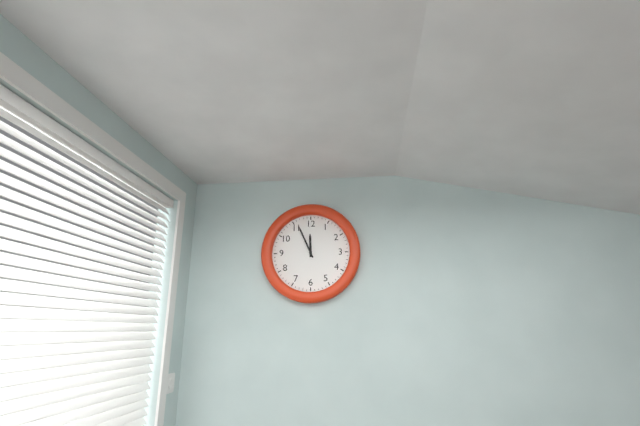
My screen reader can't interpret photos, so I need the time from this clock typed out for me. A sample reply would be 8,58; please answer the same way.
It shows 11,56
